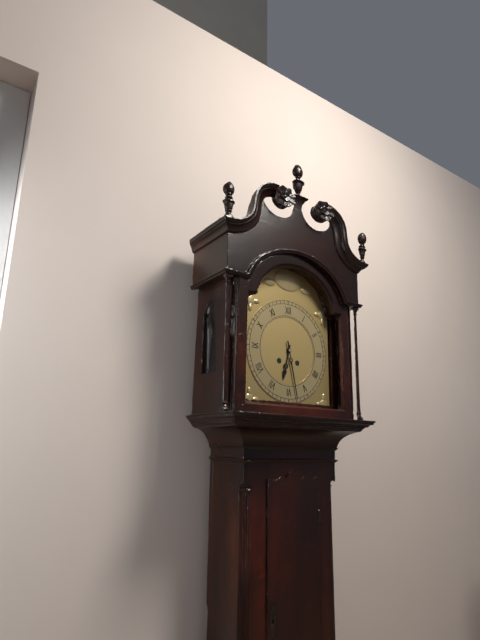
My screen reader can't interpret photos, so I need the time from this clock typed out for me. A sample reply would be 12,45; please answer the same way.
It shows 6,28
